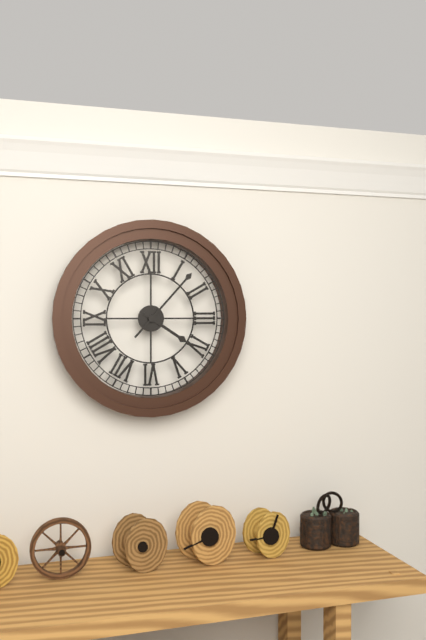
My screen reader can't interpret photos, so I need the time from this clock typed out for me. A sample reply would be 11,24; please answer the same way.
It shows 4,07
